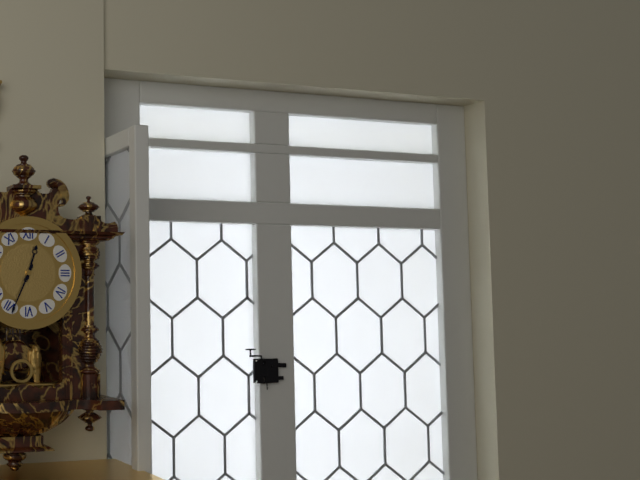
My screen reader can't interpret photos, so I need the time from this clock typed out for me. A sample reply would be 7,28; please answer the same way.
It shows 12,34
